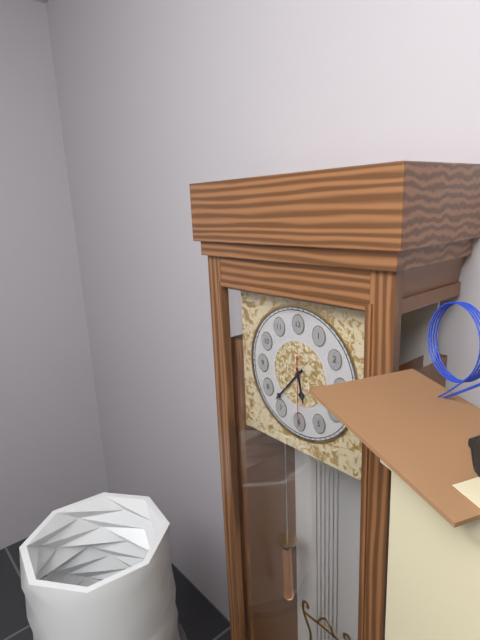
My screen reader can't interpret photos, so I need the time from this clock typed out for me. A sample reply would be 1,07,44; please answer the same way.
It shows 5,37,30
